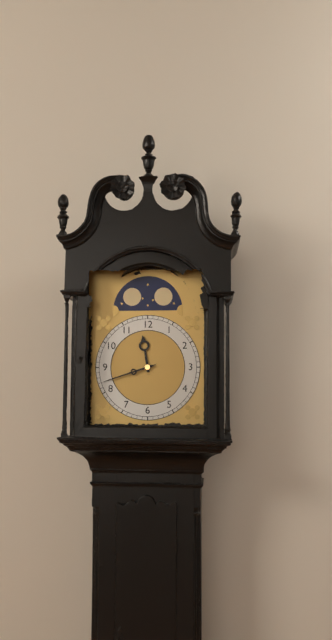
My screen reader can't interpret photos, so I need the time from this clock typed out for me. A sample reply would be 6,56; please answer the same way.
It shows 11,42
